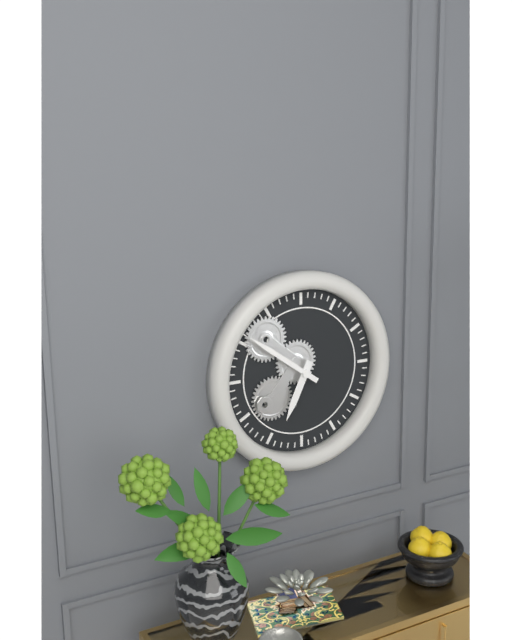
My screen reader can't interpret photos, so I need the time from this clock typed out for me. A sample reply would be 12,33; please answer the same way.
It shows 6,51
